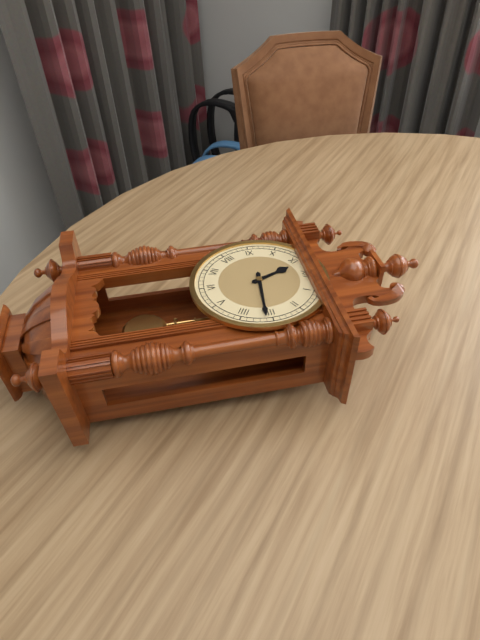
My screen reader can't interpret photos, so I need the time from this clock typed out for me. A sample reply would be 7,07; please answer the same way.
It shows 11,16
